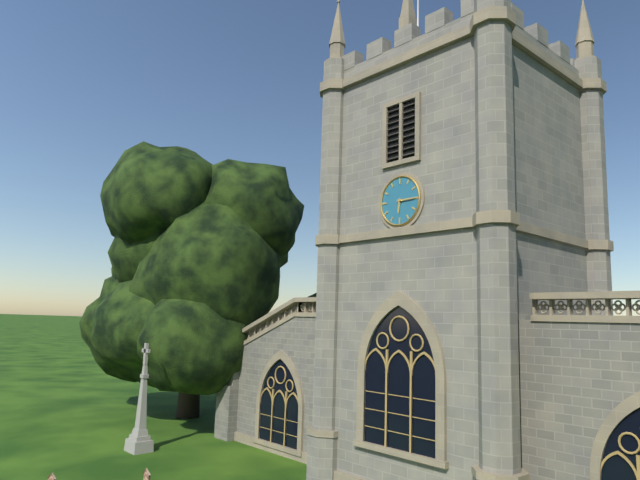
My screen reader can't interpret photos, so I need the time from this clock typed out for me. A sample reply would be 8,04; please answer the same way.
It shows 6,15
